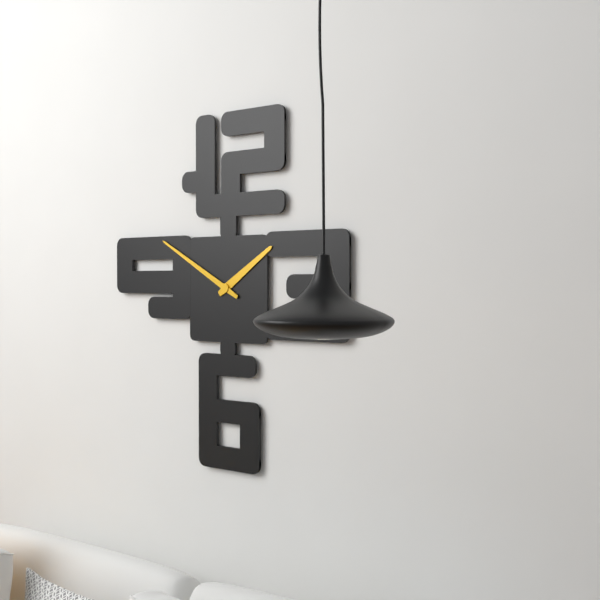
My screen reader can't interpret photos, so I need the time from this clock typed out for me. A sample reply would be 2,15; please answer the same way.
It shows 1,50
